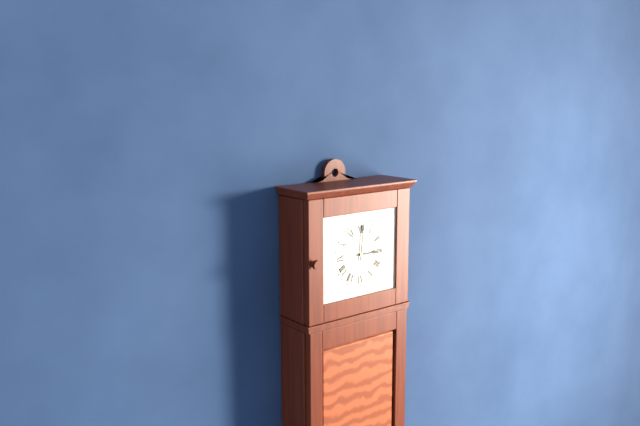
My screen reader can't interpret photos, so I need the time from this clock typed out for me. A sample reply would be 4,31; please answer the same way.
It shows 3,01
